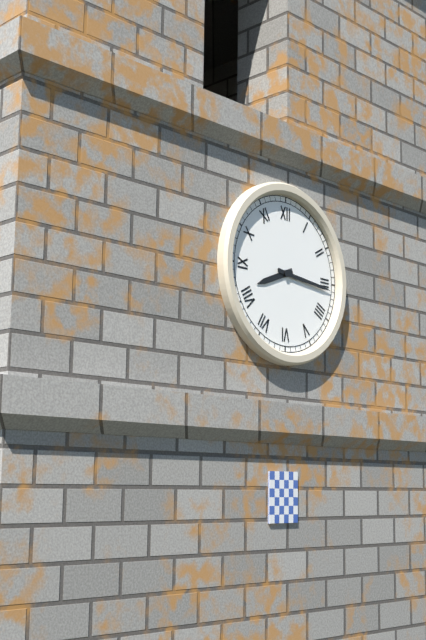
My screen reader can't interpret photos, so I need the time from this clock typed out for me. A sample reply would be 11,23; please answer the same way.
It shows 8,16
